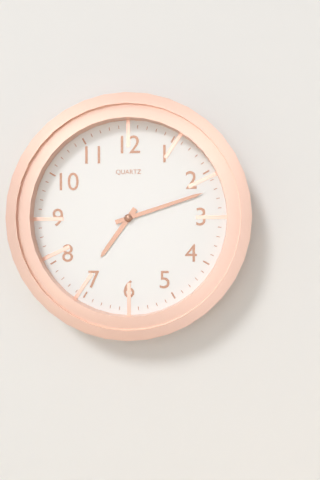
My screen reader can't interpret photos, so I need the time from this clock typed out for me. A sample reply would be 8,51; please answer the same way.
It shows 7,12
